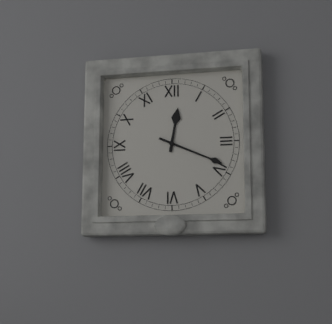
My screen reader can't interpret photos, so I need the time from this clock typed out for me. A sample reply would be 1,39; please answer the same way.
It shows 12,19
